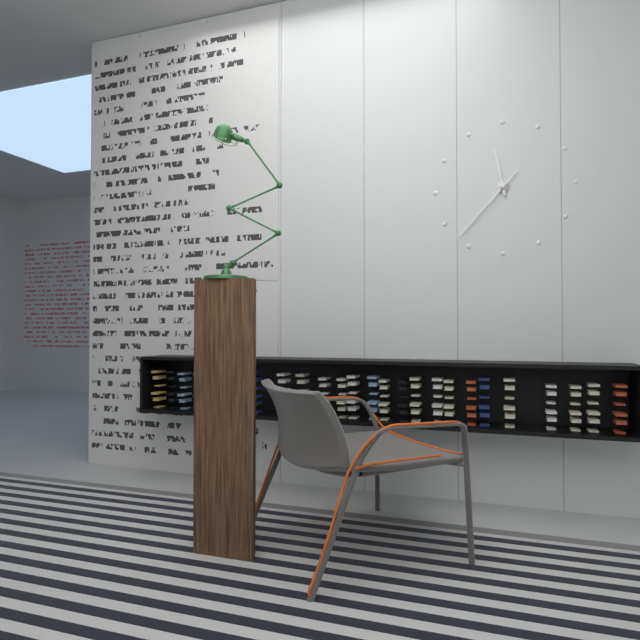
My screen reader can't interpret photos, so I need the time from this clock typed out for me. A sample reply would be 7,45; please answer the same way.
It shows 11,37
